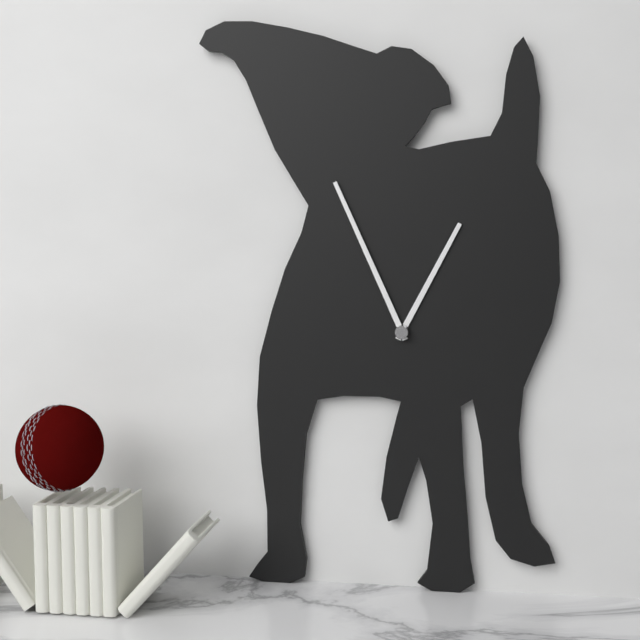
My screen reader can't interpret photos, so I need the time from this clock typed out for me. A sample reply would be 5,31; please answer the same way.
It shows 12,56
